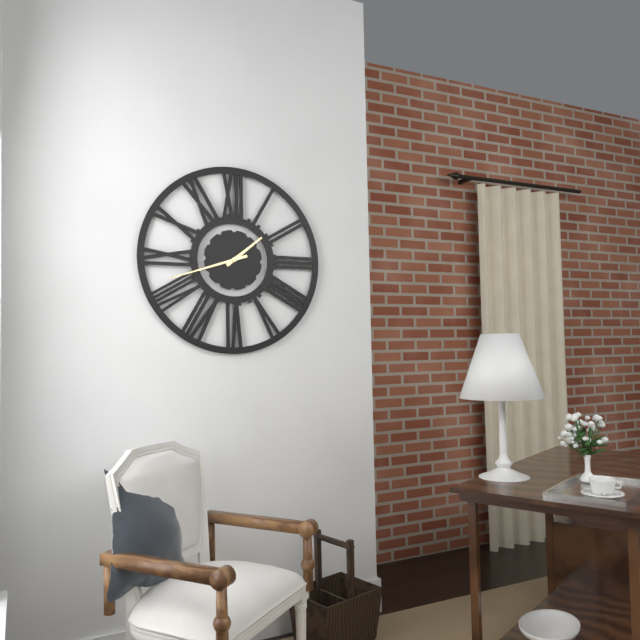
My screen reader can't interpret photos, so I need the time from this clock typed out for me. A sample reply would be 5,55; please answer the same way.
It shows 1,42
